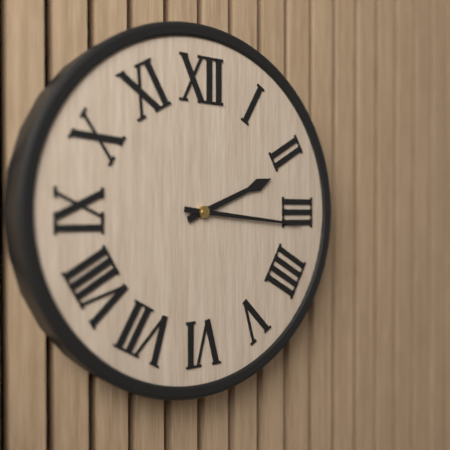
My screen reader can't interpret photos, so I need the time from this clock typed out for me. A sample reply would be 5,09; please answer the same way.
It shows 2,16
